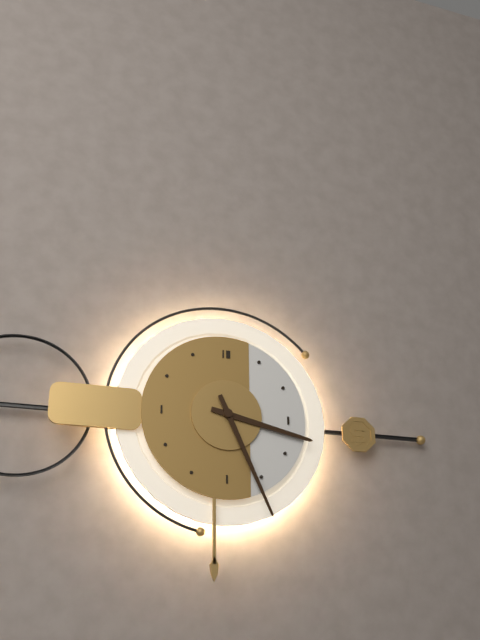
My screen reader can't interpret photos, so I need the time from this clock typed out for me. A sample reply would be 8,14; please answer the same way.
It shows 3,26
